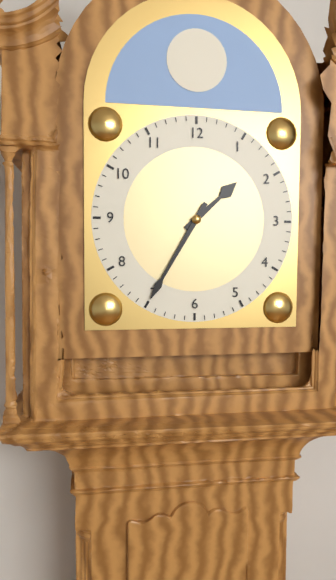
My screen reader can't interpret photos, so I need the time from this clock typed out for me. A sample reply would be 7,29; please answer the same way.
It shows 1,35
